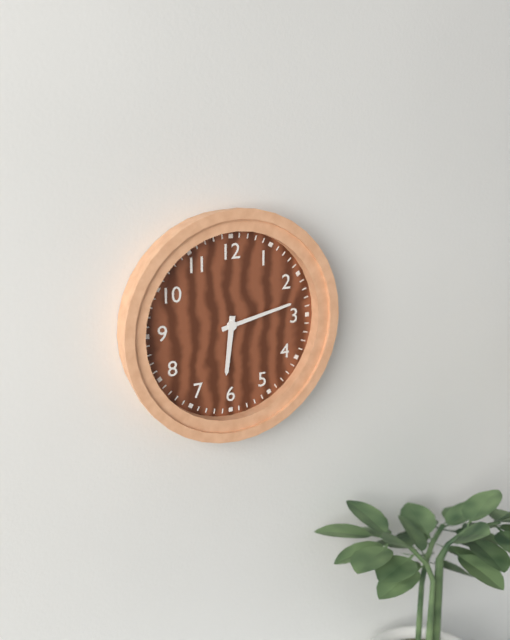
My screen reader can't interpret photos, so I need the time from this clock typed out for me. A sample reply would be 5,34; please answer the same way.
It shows 6,13
